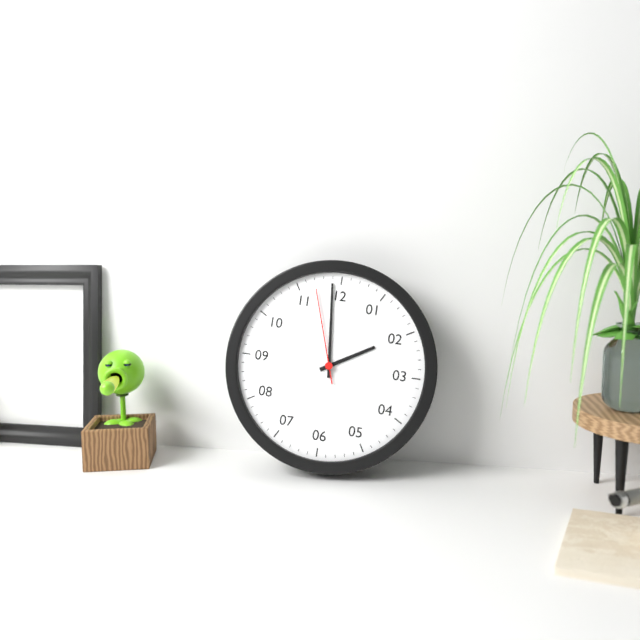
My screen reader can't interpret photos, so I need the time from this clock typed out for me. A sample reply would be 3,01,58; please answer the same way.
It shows 1,59,57
